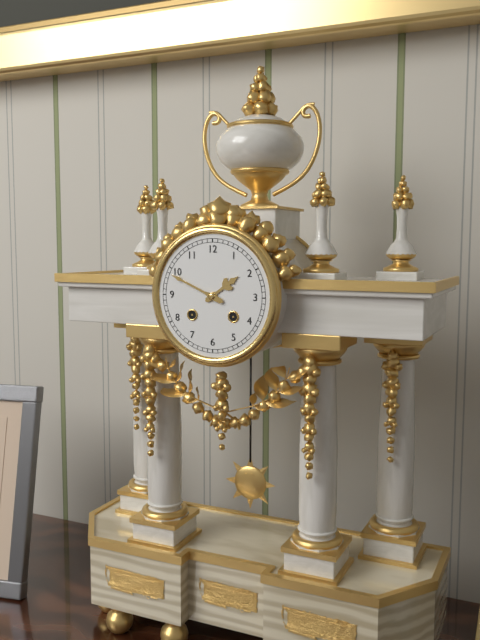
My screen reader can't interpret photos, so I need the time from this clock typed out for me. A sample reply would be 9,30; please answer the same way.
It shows 1,49
